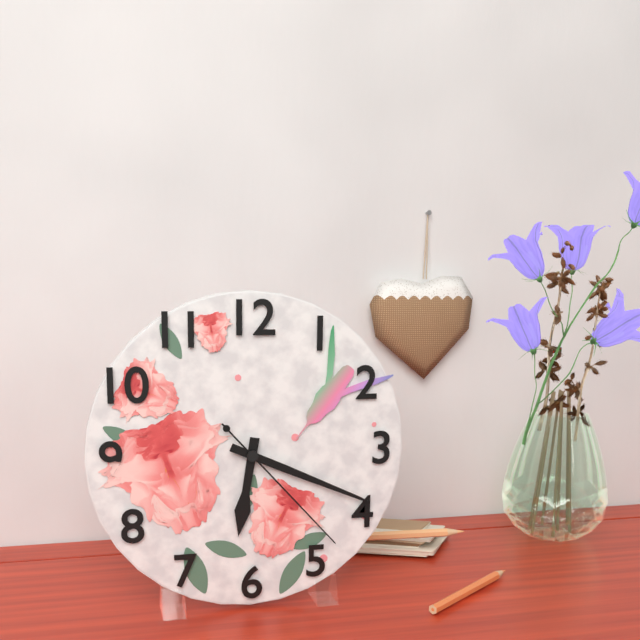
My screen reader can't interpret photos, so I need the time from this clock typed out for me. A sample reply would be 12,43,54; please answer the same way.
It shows 6,19,23
